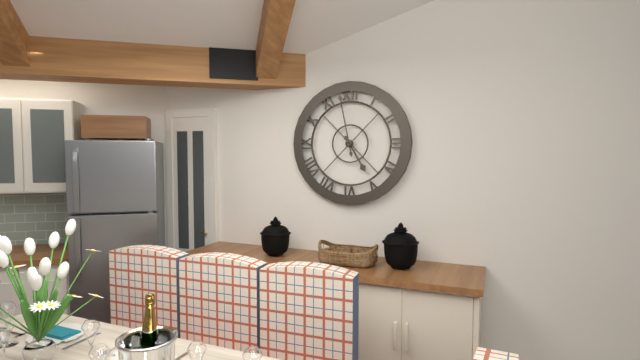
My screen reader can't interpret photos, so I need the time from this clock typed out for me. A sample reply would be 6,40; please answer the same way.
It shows 4,58
